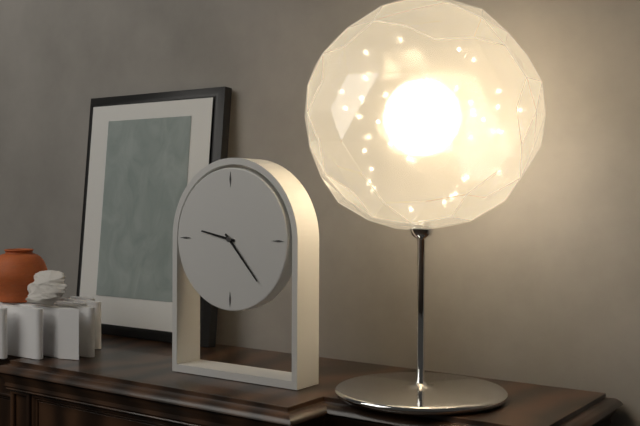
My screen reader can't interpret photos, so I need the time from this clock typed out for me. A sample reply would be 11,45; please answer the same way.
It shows 9,23
